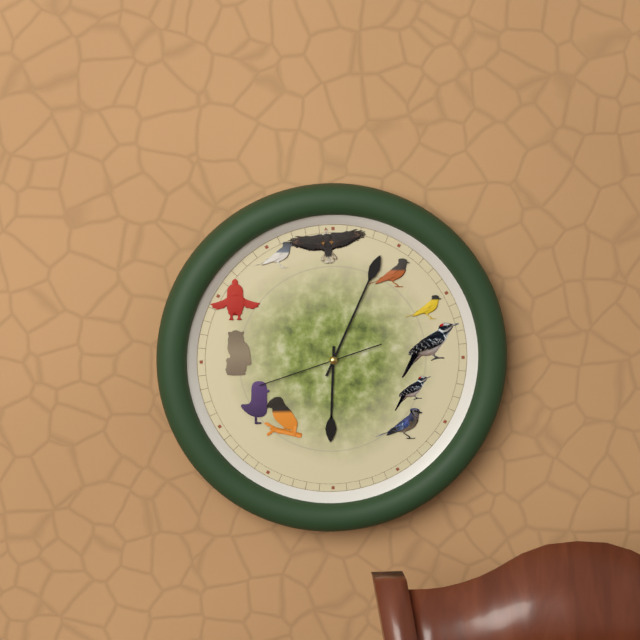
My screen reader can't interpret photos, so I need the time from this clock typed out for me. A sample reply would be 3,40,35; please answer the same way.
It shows 6,04,42
